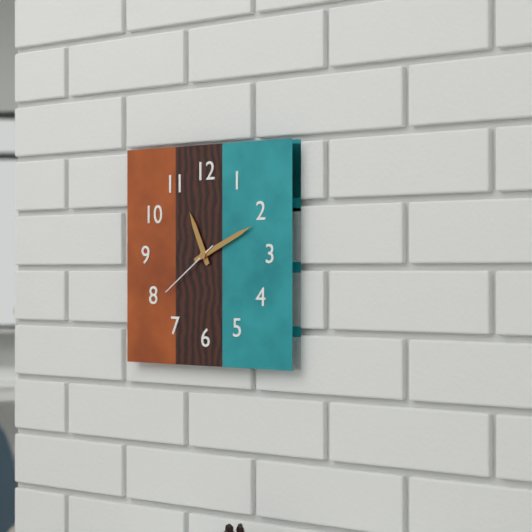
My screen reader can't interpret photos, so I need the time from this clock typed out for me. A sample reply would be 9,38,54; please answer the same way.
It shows 11,11,39
